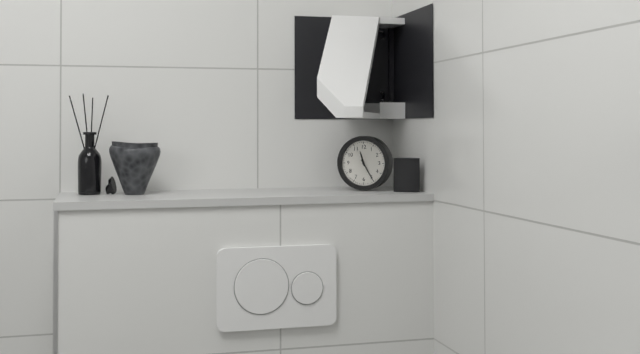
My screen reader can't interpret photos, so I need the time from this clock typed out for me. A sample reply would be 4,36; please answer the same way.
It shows 11,25
